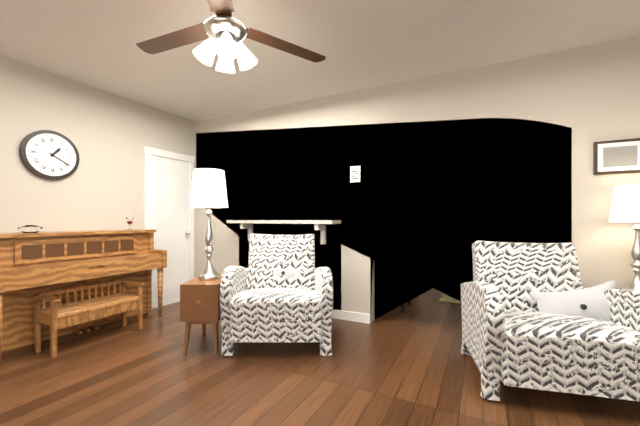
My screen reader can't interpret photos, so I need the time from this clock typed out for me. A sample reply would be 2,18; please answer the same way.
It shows 1,20
